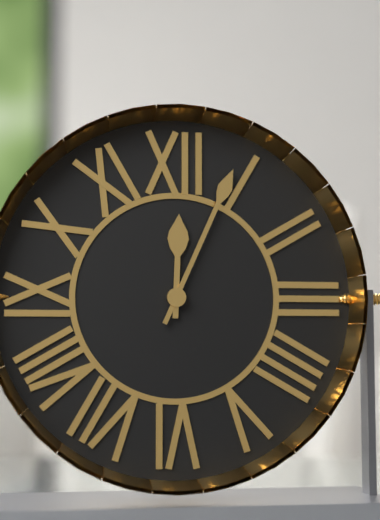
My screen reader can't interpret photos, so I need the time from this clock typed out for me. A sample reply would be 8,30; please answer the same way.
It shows 12,04
